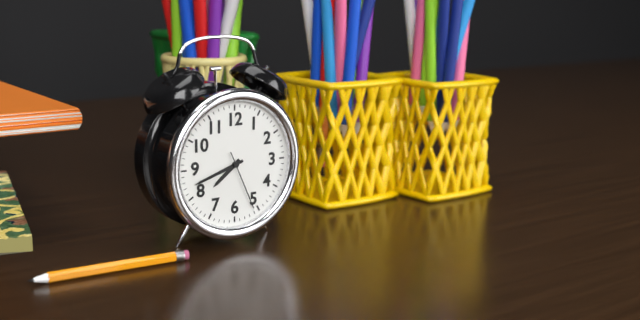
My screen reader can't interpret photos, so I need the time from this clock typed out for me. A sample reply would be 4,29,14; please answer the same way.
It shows 7,42,26
